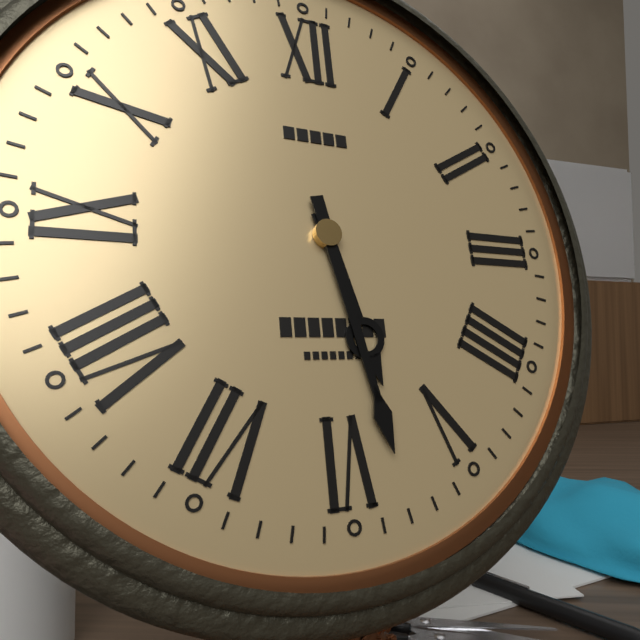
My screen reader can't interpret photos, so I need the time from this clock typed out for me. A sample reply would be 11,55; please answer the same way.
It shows 5,28
